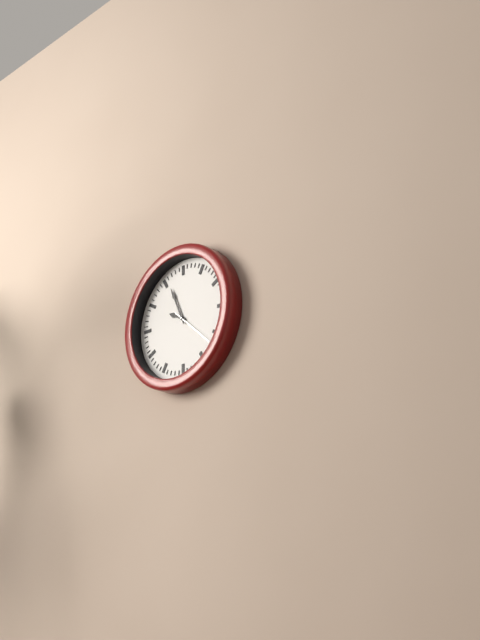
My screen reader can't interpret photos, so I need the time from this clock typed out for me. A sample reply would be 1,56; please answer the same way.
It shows 9,56
